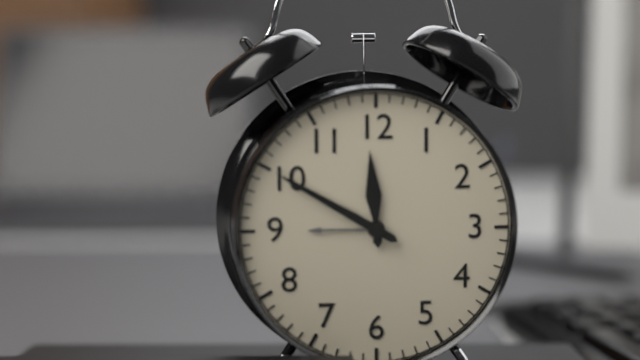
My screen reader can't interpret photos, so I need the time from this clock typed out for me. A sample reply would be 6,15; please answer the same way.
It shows 11,50
